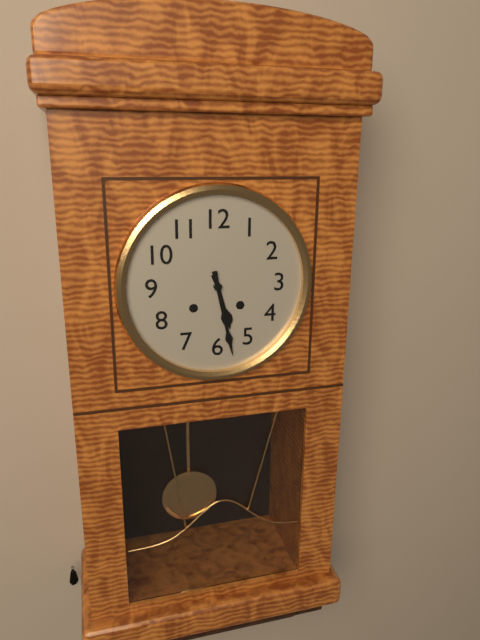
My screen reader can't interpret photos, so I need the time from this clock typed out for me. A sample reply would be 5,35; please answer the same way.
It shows 5,28
